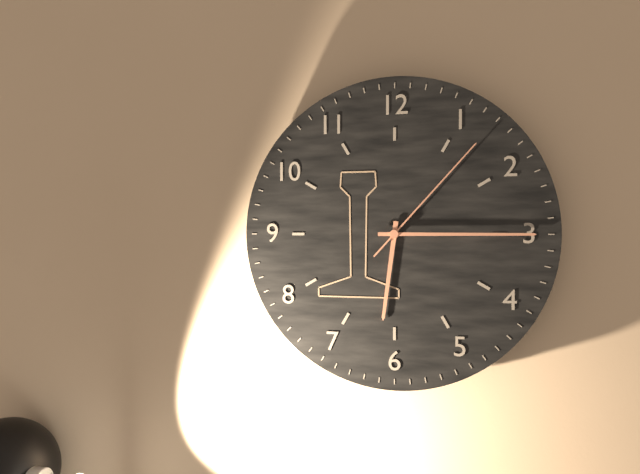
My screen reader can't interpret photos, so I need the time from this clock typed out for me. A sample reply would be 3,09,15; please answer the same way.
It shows 6,15,07
